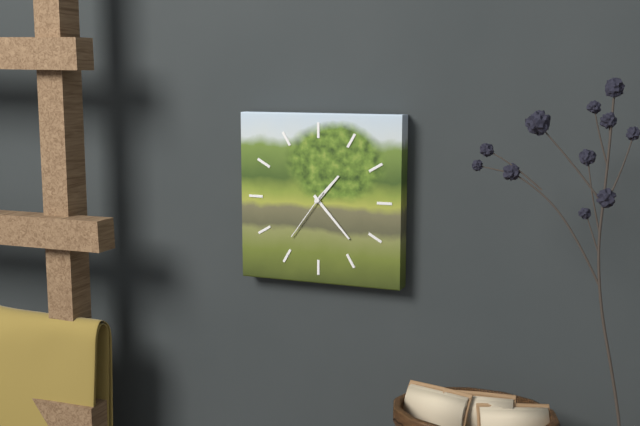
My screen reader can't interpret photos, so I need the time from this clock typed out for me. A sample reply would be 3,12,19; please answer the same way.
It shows 1,23,36
